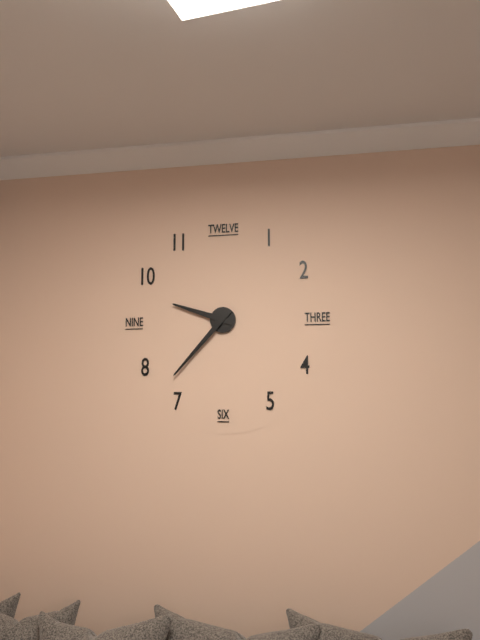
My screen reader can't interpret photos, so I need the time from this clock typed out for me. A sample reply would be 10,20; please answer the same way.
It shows 9,37
